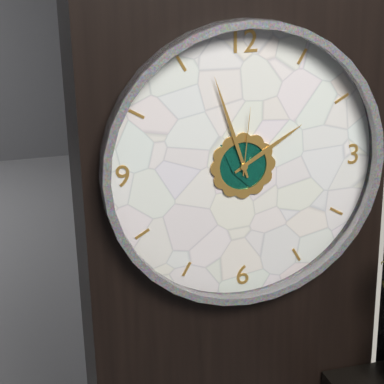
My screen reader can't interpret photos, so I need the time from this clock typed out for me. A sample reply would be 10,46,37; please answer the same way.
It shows 1,57,01
